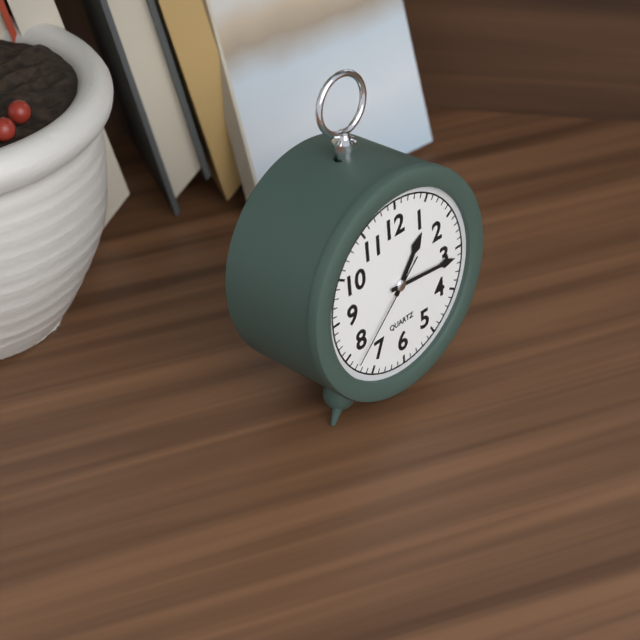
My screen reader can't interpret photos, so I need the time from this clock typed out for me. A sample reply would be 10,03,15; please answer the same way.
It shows 1,16,38
